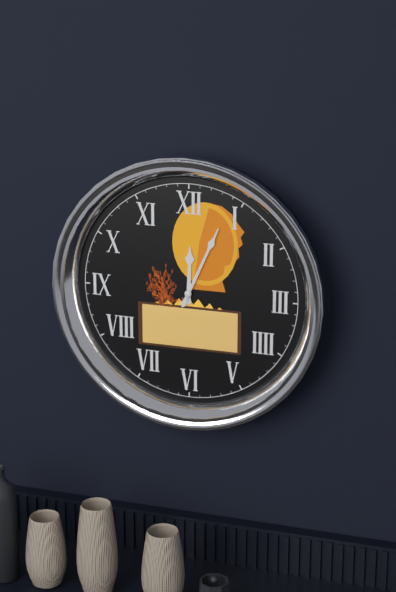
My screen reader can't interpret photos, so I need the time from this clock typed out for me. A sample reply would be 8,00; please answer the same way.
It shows 12,04
